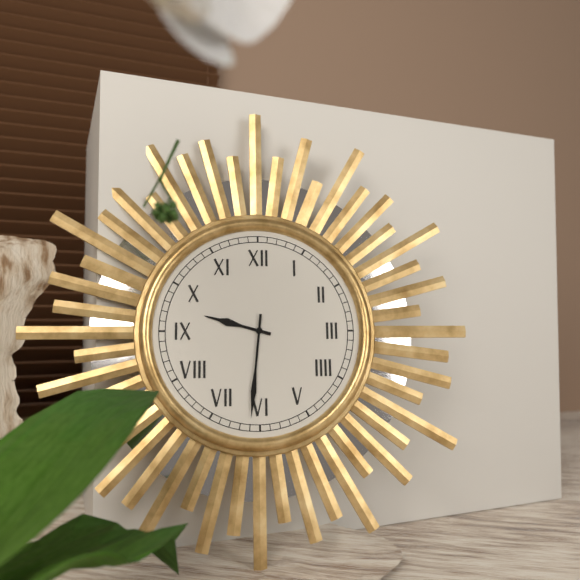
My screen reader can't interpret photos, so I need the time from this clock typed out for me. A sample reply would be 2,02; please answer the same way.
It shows 9,31
